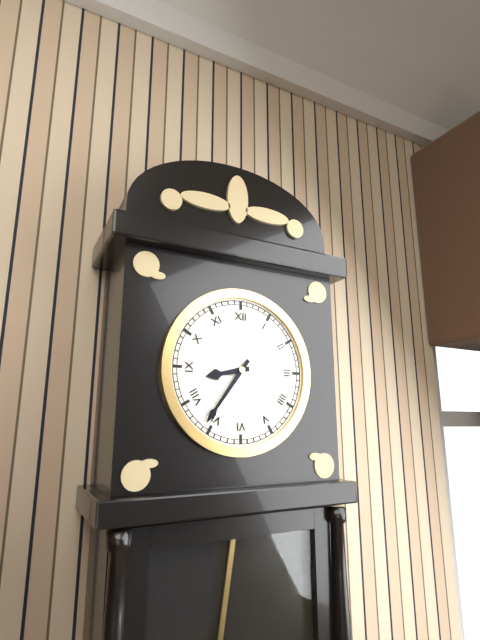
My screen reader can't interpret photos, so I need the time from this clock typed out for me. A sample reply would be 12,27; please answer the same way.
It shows 8,36
